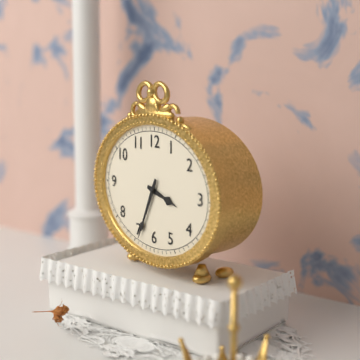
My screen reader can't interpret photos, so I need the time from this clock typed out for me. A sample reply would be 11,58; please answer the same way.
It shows 3,34
